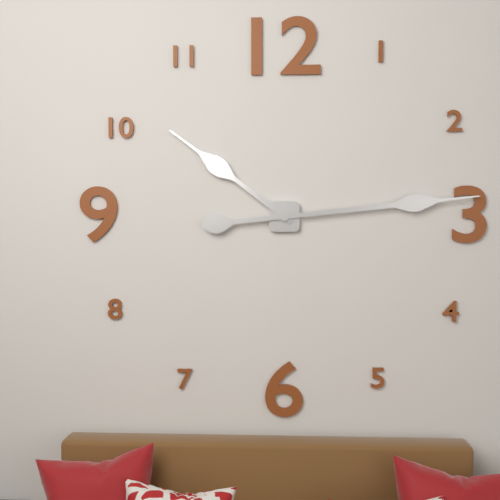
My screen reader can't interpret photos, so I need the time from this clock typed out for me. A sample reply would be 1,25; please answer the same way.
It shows 10,14
